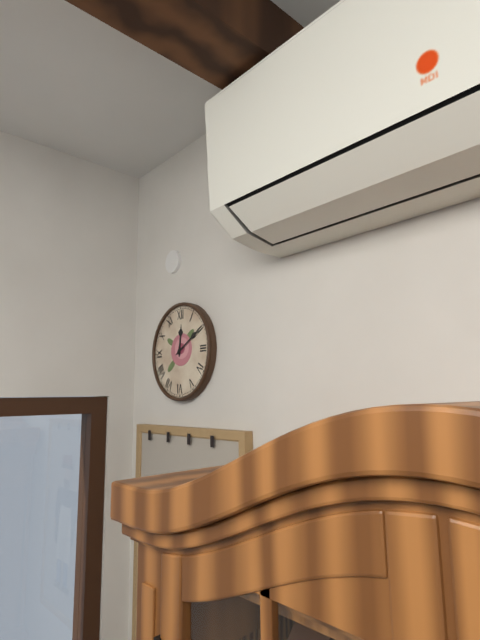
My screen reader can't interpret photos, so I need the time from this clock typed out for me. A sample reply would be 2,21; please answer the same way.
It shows 12,10
